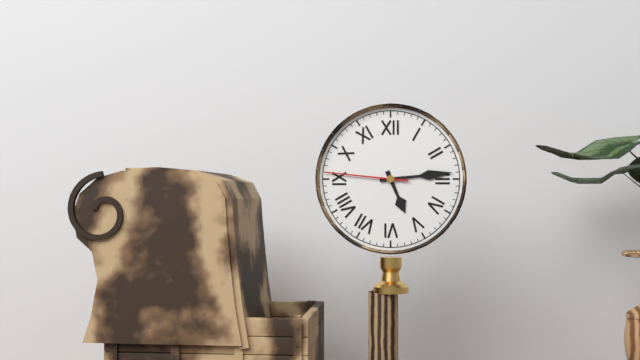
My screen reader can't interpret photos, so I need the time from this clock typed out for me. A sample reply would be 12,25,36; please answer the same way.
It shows 5,14,46
